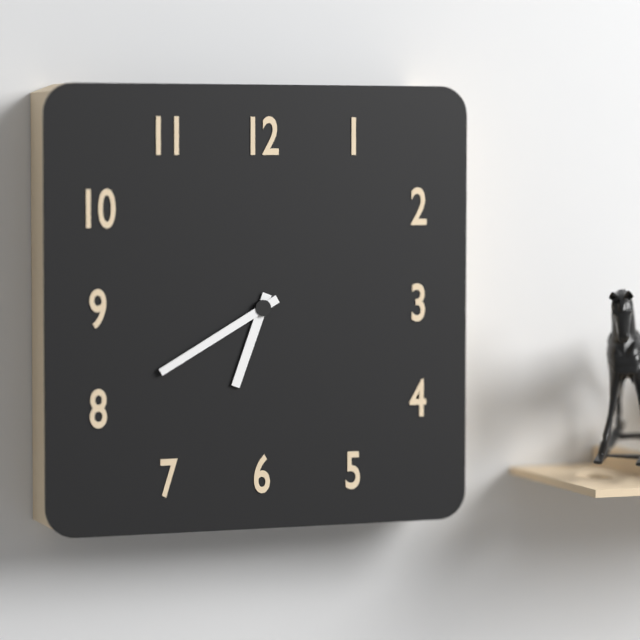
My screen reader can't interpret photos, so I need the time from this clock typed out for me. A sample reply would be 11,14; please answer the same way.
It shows 6,40
